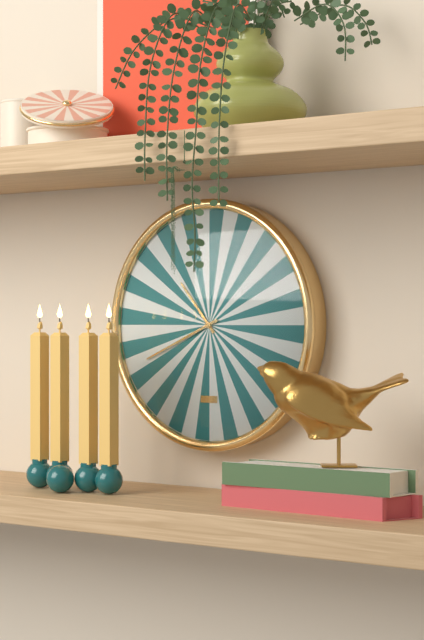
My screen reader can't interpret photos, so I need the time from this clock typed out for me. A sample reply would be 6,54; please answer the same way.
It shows 10,41
